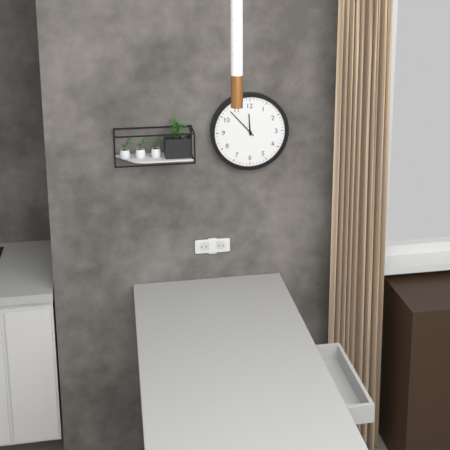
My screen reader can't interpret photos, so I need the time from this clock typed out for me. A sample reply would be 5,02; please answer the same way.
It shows 11,53
